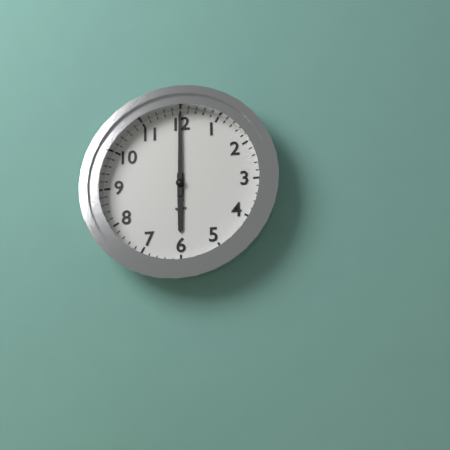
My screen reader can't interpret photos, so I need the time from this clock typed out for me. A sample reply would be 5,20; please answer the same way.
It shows 6,00
